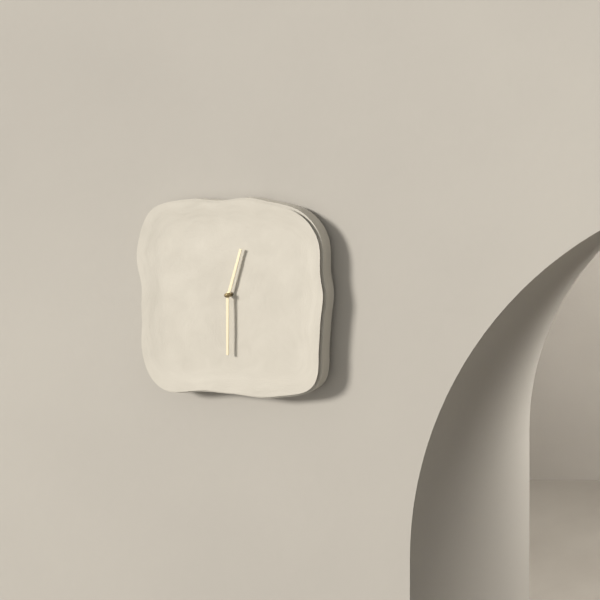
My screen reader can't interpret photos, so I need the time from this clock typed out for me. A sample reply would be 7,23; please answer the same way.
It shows 12,30
